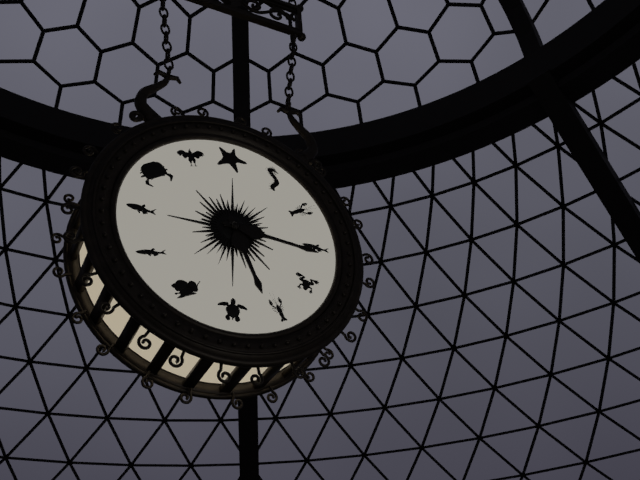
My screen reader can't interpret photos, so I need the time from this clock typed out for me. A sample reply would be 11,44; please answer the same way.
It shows 5,16
